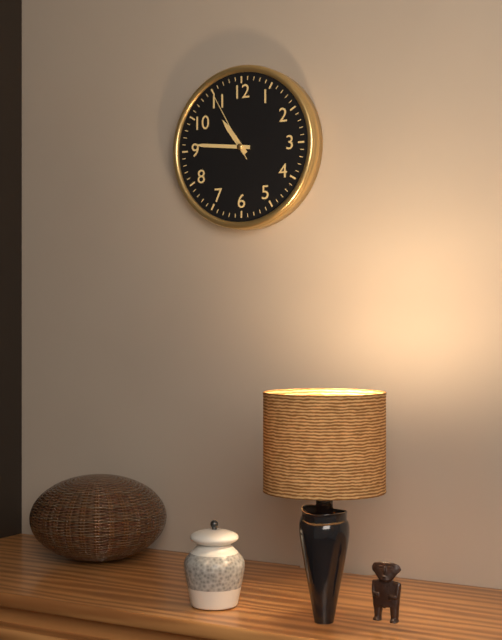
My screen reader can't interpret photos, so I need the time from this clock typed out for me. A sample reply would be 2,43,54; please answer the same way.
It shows 10,46,55
